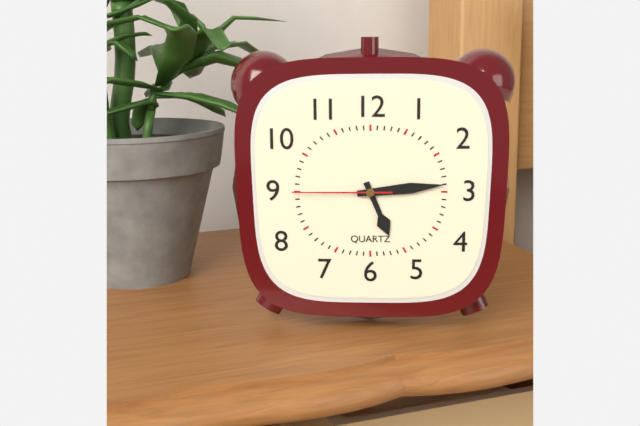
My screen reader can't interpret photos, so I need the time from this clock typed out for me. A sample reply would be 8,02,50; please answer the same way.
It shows 5,14,45
